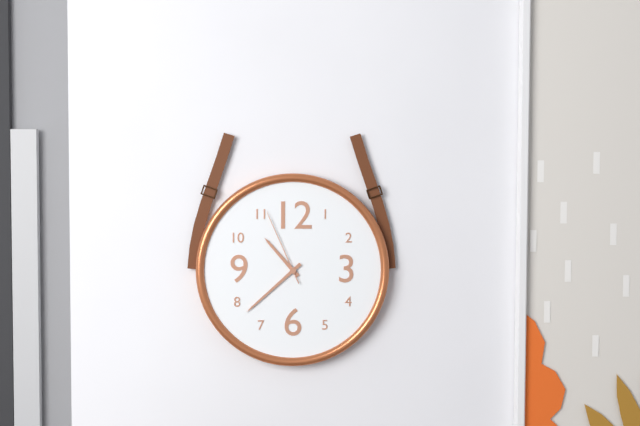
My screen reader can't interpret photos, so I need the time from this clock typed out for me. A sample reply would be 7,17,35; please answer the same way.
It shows 10,38,56
